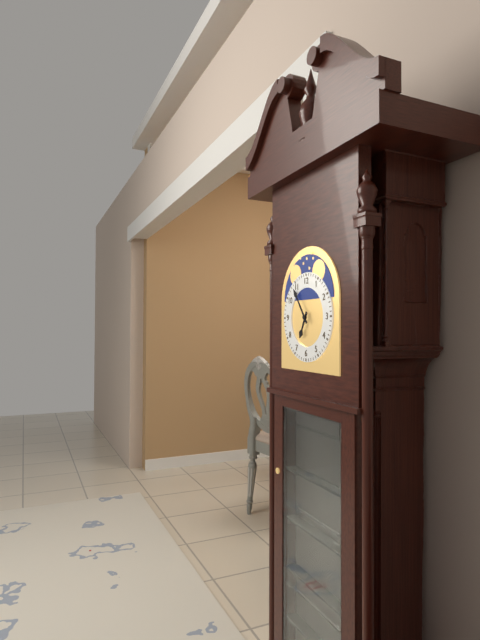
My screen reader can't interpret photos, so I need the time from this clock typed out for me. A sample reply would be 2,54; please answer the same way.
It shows 6,54
